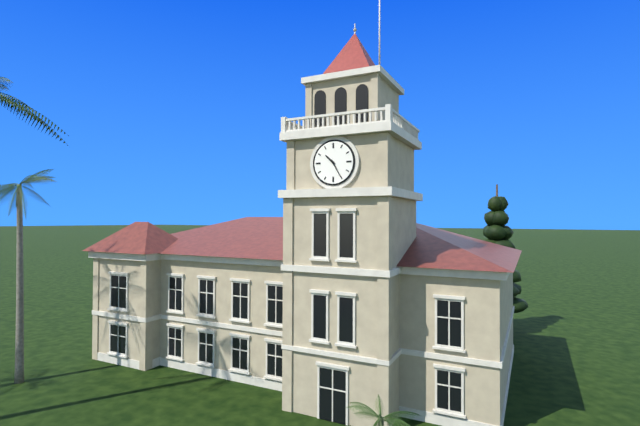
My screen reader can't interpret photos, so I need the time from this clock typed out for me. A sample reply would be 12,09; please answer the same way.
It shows 10,25
